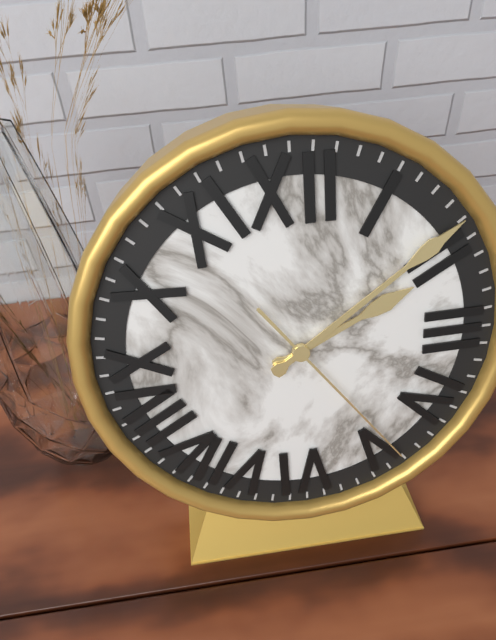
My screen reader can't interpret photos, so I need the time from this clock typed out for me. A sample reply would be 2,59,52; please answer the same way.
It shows 2,09,24
